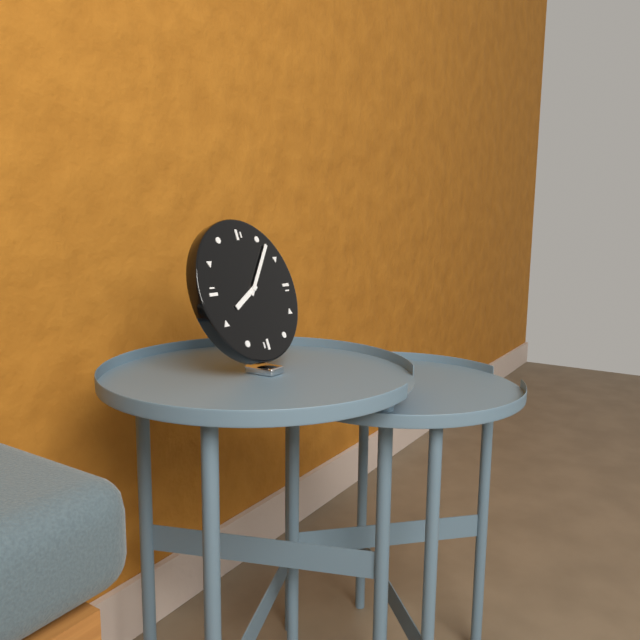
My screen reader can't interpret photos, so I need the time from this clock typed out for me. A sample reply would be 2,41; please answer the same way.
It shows 8,07
